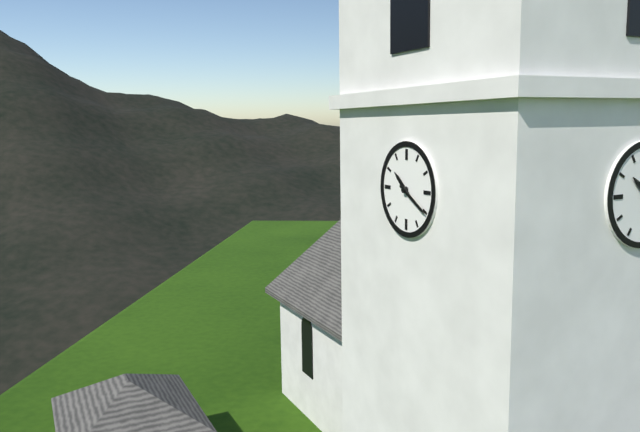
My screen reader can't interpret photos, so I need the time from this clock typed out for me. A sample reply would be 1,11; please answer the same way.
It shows 10,20
